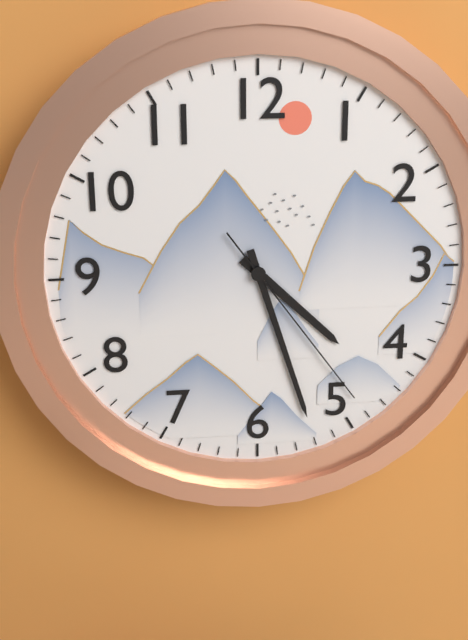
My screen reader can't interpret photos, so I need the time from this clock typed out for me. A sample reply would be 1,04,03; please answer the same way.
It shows 4,27,24
